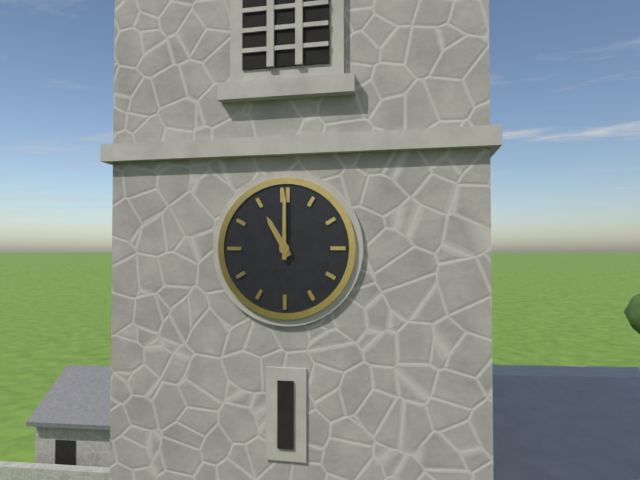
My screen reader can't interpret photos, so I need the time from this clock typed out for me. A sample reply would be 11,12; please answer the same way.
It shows 11,00
